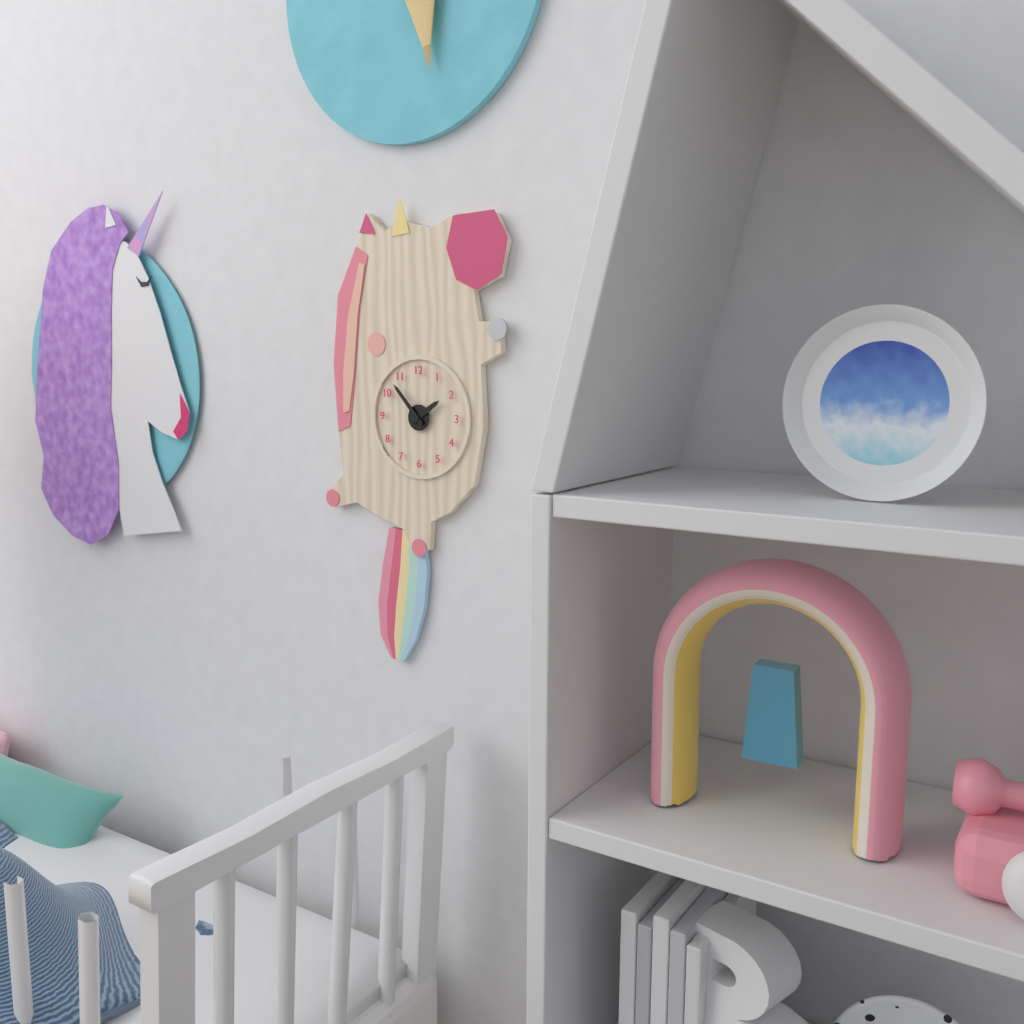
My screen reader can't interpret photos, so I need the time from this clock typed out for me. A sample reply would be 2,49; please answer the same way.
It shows 1,53
